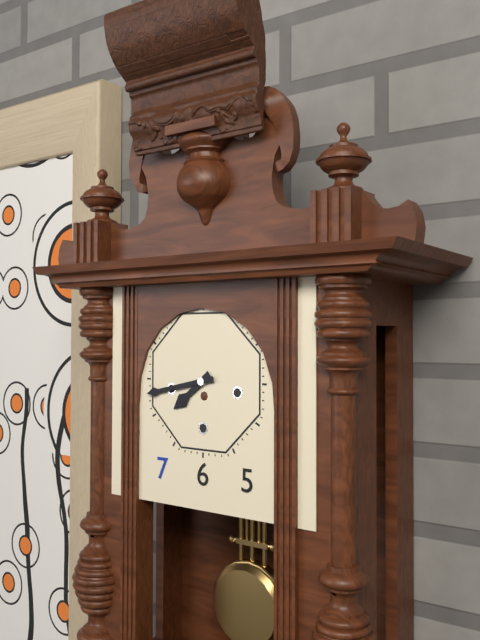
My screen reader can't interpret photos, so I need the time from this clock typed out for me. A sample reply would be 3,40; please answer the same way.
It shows 7,43
